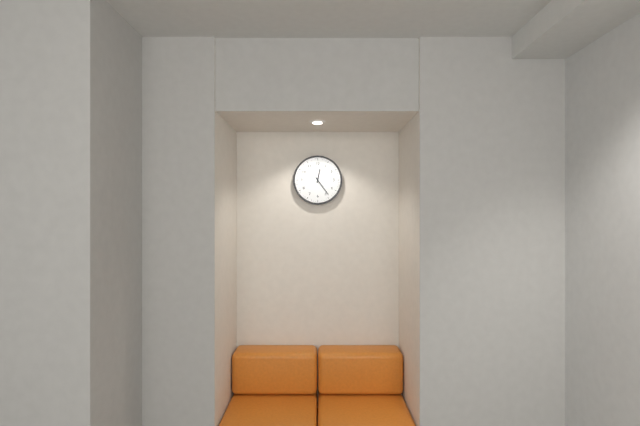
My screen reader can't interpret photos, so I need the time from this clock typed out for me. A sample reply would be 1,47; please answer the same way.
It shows 12,24
